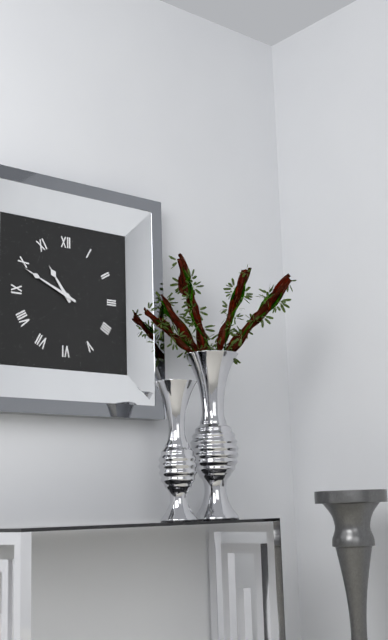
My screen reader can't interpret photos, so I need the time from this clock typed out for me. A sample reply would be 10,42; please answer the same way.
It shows 10,49
